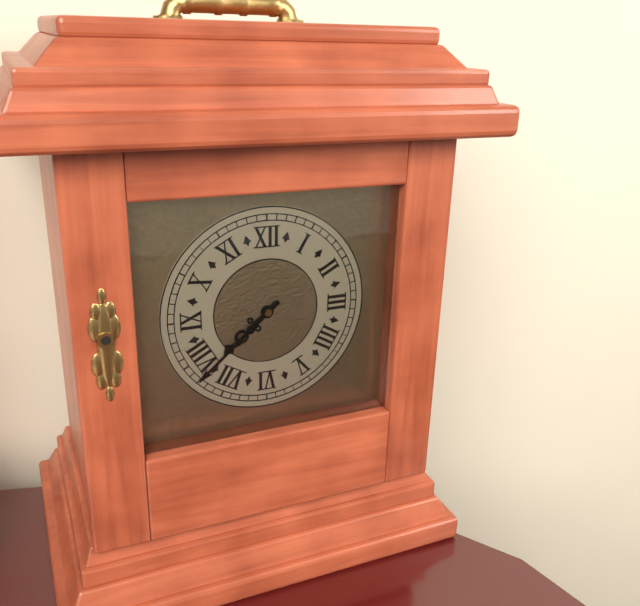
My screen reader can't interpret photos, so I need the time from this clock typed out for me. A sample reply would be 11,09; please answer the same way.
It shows 7,38
